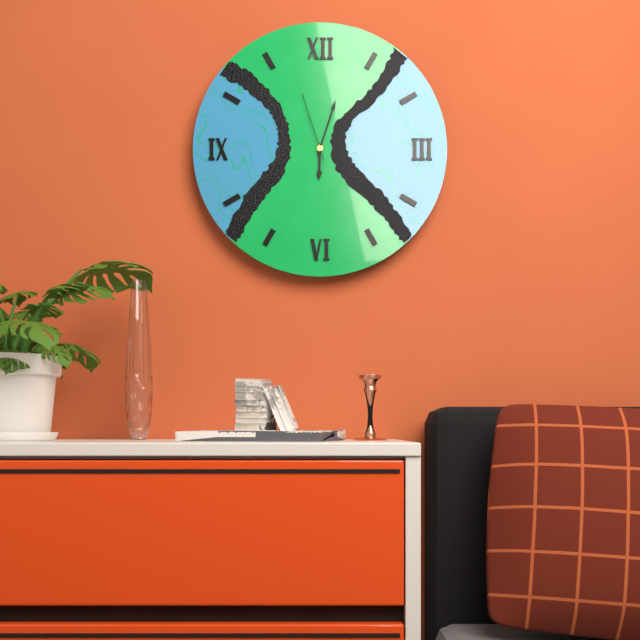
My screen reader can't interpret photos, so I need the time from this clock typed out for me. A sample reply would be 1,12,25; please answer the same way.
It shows 6,03,57
